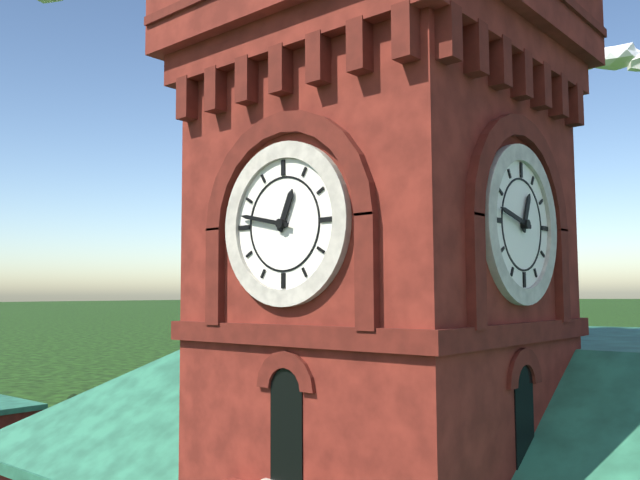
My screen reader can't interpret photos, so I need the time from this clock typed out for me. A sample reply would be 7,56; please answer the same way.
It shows 12,47
